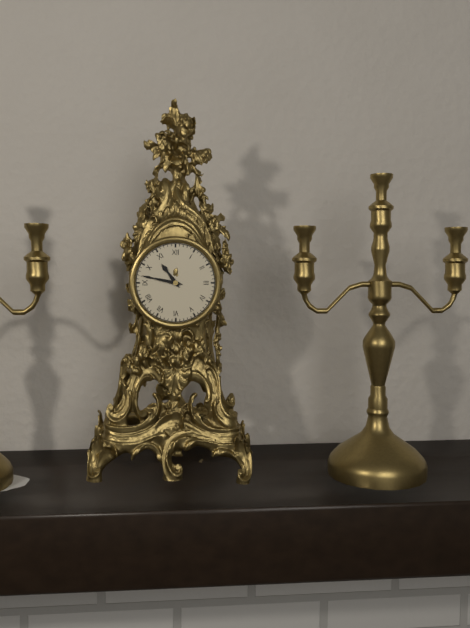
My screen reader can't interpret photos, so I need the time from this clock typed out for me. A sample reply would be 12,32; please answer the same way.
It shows 10,47
